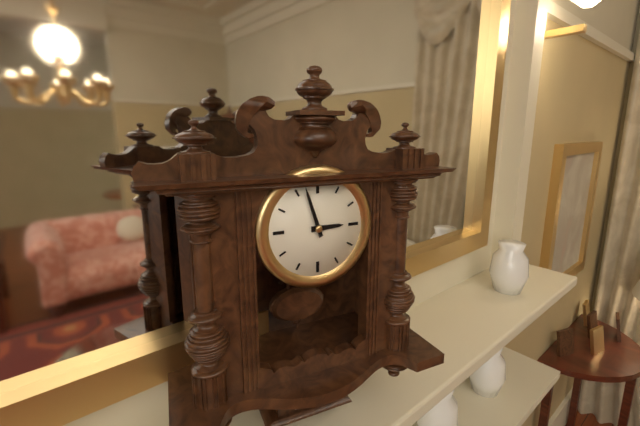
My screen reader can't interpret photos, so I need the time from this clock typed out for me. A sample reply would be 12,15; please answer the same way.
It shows 2,57
